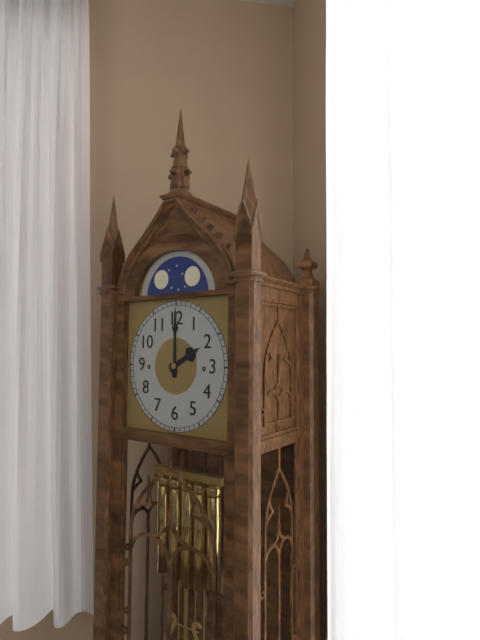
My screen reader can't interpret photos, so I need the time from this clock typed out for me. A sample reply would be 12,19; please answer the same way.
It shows 2,00
